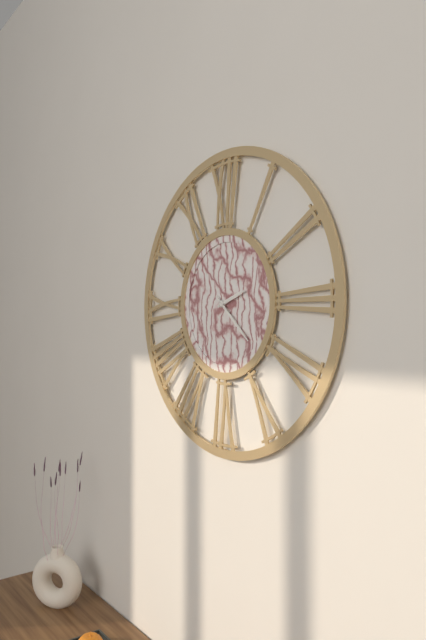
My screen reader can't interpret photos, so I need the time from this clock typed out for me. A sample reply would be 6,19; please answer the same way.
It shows 2,22
